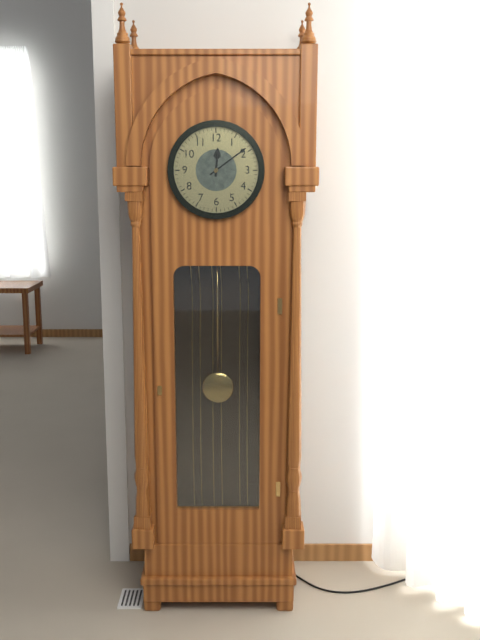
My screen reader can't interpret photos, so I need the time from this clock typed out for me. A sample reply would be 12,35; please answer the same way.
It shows 12,09
